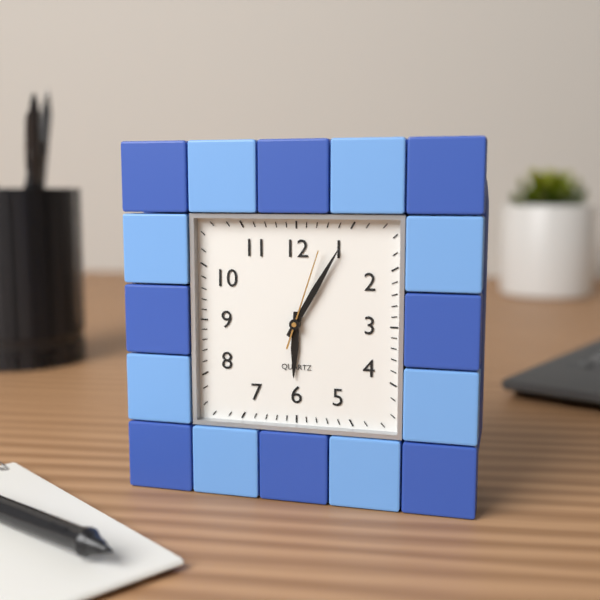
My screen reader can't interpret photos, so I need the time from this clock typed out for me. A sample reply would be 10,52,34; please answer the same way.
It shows 6,05,03
